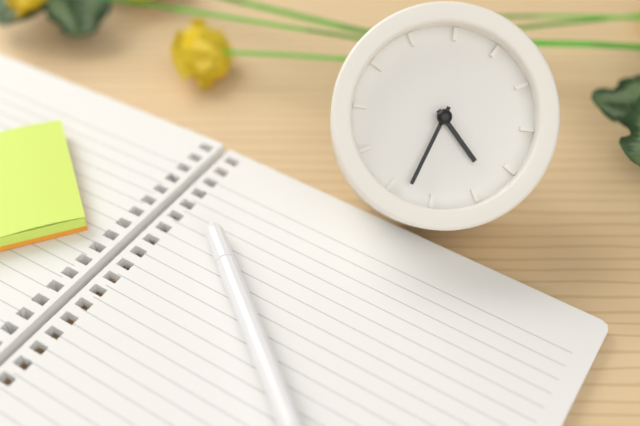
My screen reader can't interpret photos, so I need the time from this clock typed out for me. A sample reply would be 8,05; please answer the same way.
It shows 4,33
